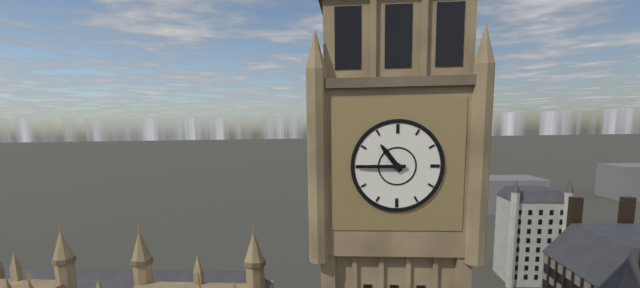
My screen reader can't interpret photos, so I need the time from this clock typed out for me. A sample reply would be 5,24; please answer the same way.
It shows 10,45
